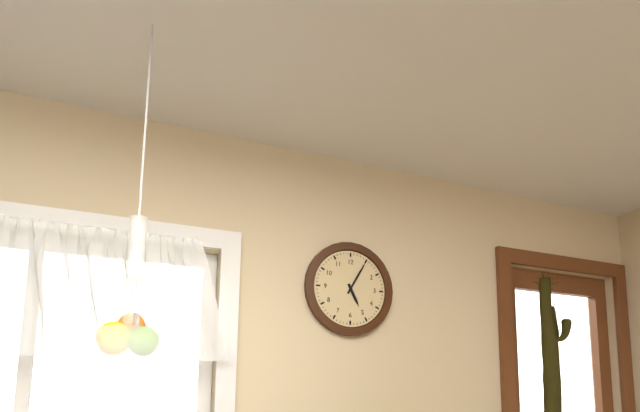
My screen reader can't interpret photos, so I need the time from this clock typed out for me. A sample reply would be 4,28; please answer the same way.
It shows 5,05
